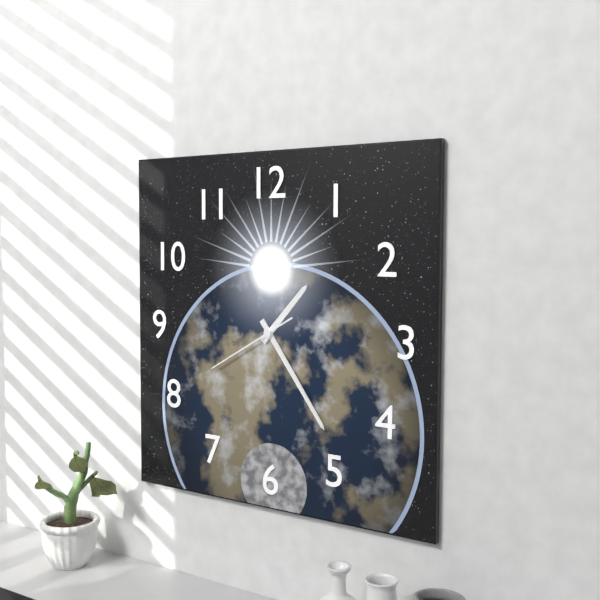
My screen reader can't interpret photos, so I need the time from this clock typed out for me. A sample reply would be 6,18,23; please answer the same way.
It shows 1,24,40
